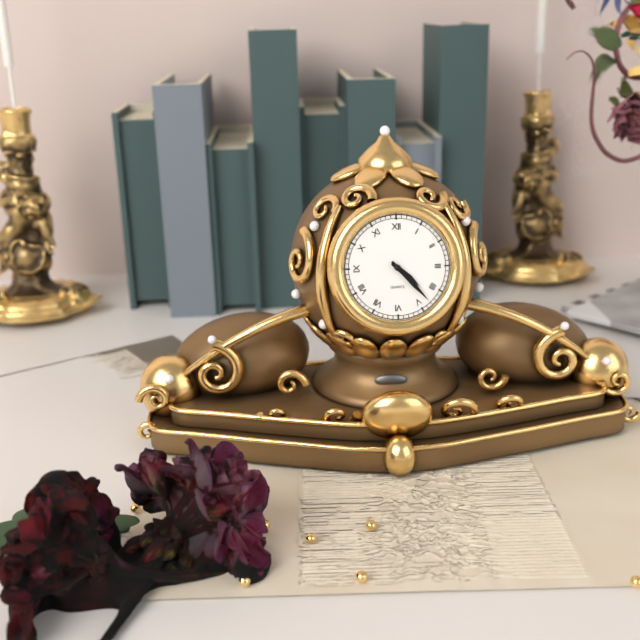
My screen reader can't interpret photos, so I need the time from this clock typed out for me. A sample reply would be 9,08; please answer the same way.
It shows 4,23
